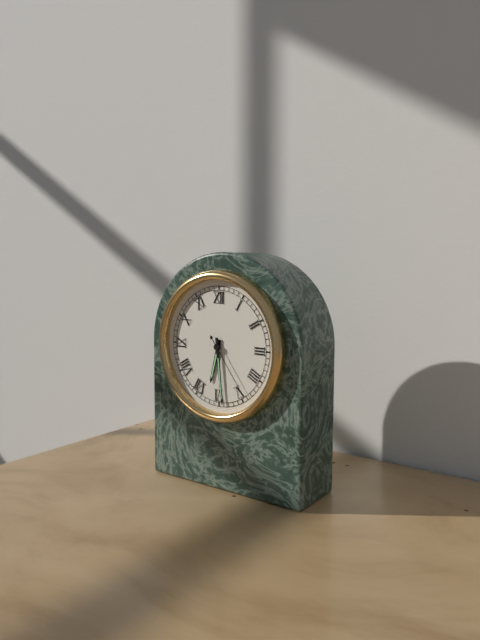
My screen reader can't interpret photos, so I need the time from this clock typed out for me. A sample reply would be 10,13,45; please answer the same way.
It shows 6,29,24
